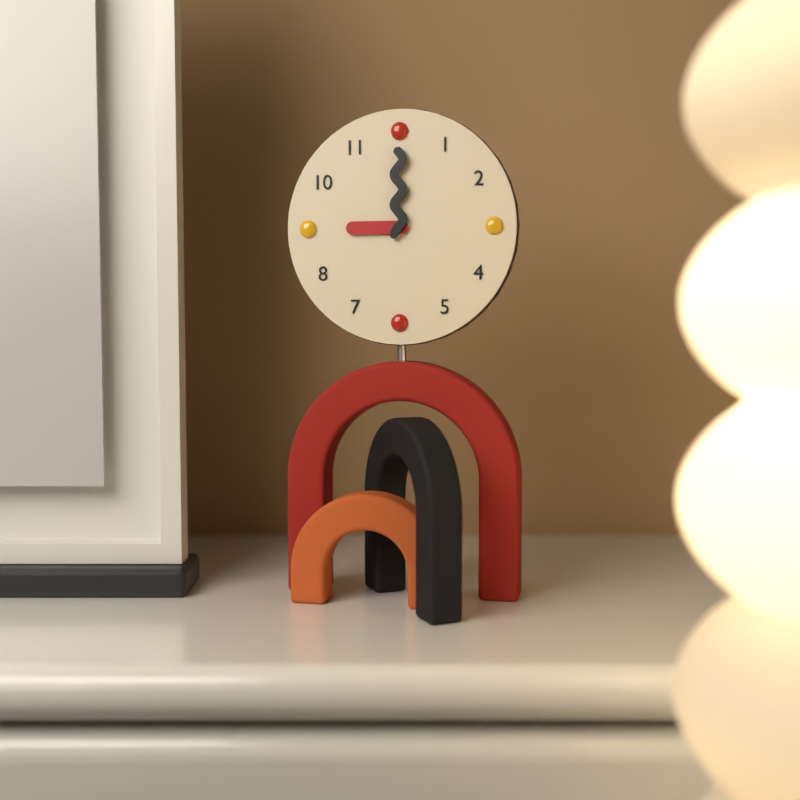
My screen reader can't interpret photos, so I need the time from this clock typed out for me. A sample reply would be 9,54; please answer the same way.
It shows 9,00
